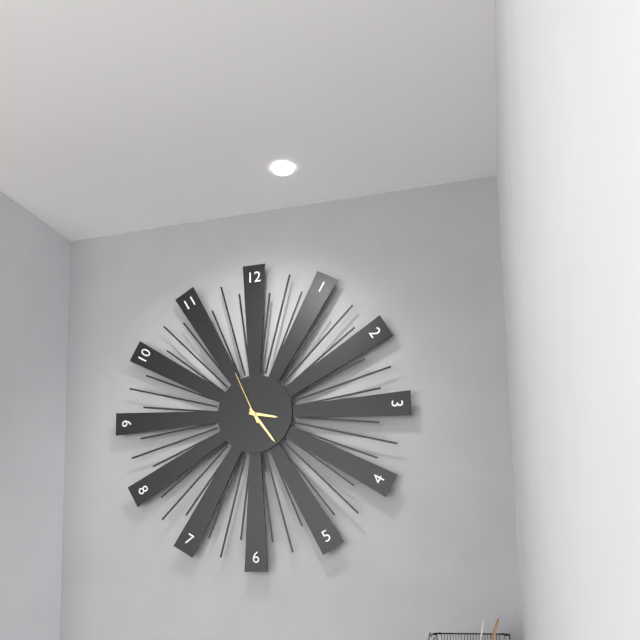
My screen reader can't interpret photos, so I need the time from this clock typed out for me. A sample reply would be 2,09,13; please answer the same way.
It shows 3,24,56
